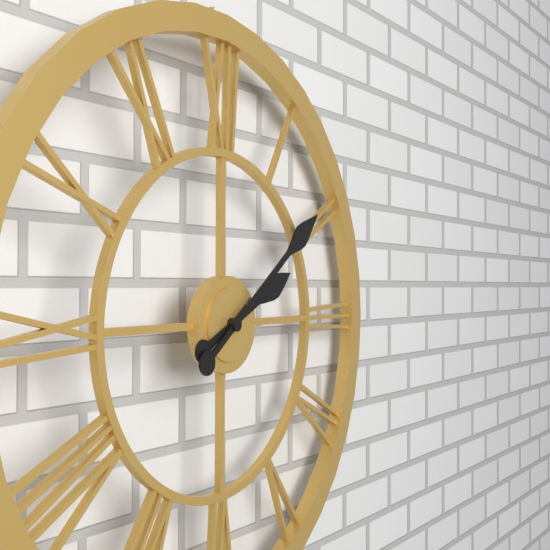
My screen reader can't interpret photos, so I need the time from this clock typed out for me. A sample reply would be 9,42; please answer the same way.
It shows 2,09
